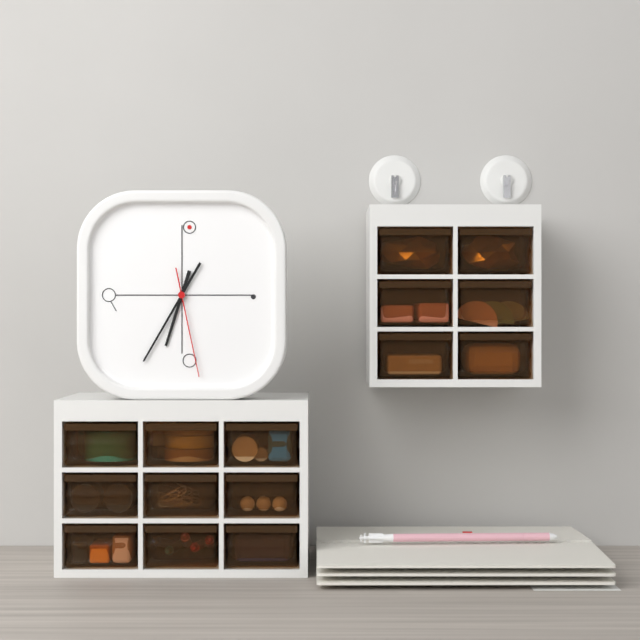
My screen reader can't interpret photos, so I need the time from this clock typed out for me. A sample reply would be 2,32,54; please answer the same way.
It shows 6,35,28
